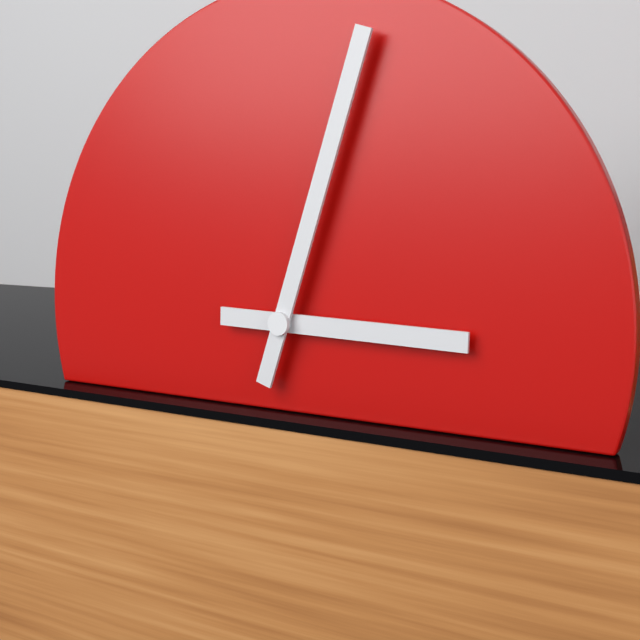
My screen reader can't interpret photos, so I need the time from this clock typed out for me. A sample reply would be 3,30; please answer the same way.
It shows 3,03
